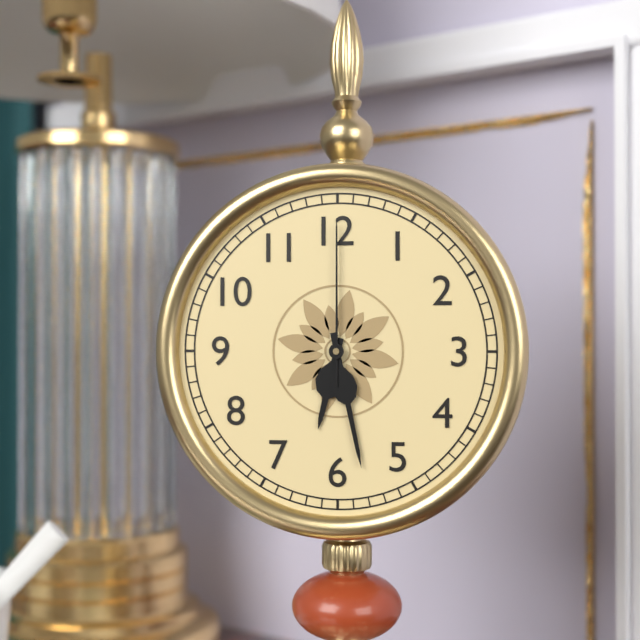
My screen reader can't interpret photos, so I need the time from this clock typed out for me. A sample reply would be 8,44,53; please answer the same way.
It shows 6,28,00
